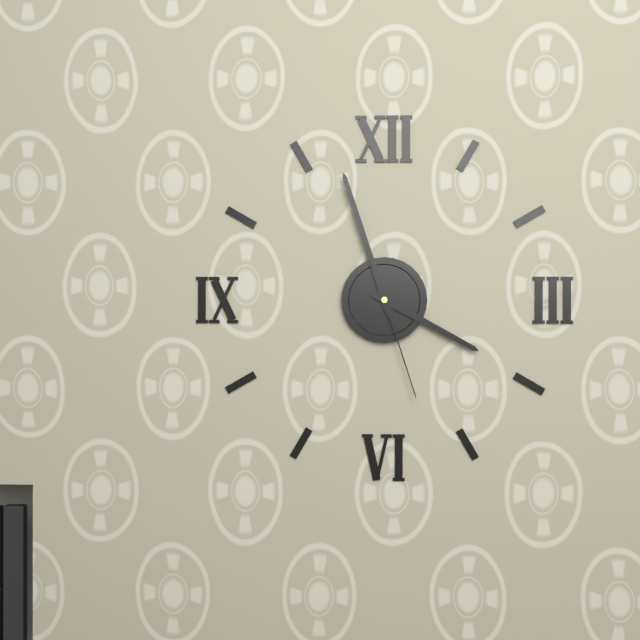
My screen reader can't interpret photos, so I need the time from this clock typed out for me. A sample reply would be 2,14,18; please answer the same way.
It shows 3,57,27
